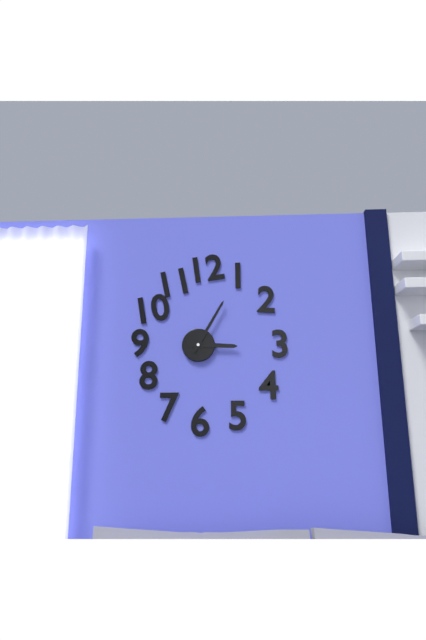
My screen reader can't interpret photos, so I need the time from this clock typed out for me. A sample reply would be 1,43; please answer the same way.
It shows 3,05
